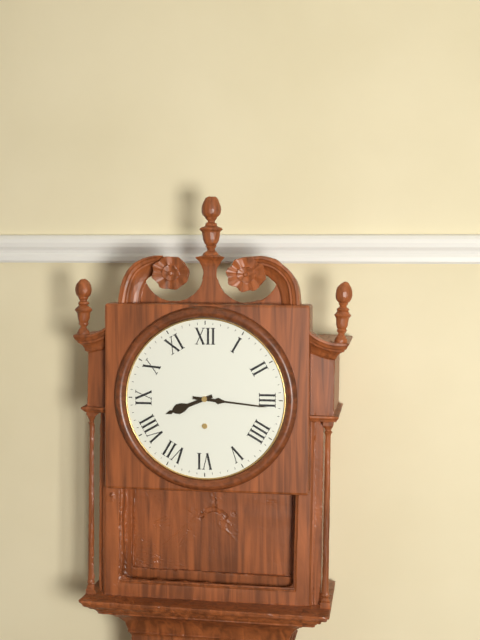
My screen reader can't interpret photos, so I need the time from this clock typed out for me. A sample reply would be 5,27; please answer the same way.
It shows 8,16
